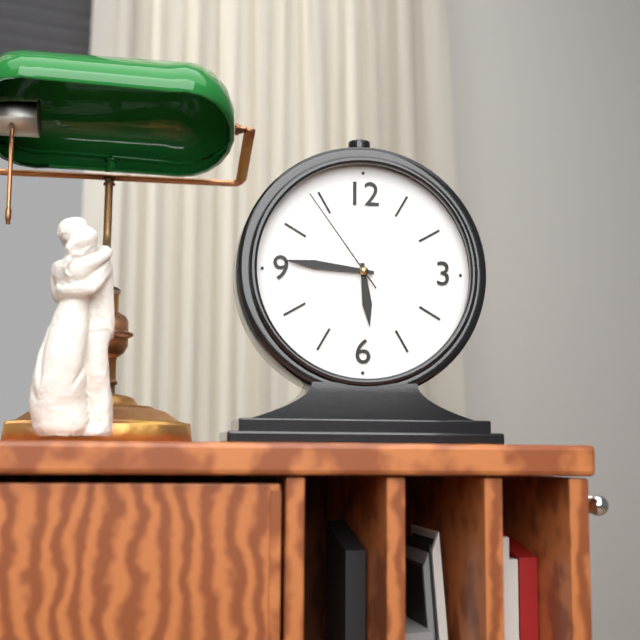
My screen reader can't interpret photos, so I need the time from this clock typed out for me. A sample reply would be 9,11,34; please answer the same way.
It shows 5,46,54
